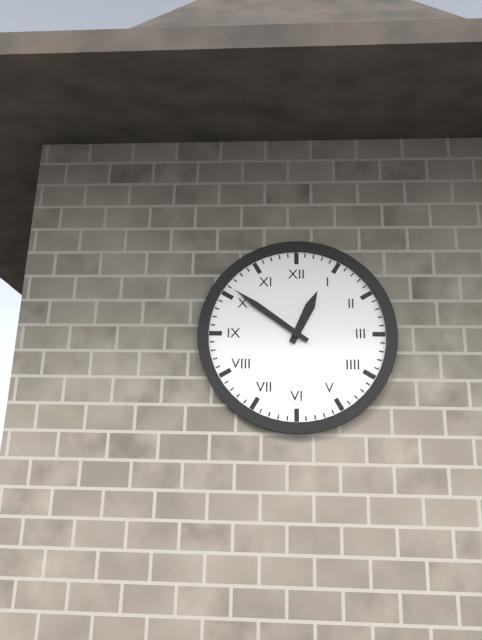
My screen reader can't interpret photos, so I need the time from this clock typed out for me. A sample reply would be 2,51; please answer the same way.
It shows 12,51
